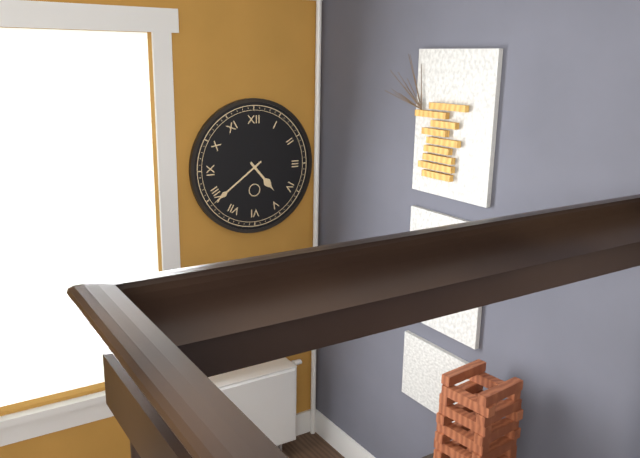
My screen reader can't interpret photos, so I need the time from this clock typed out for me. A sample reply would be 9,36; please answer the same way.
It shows 4,39
